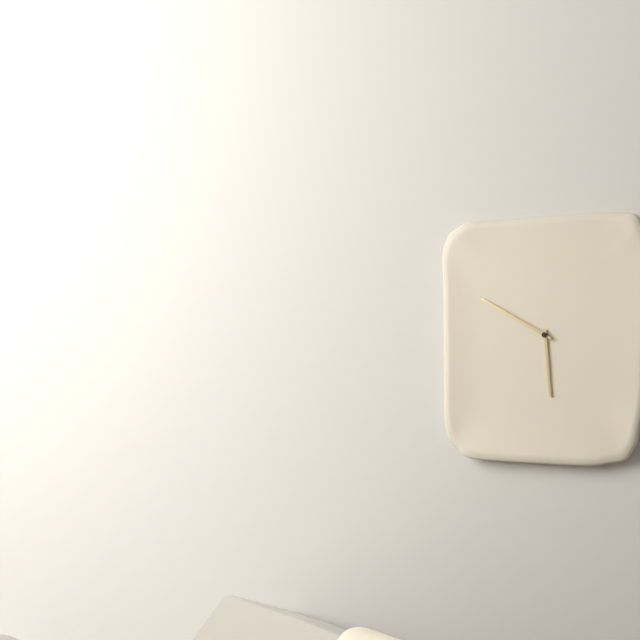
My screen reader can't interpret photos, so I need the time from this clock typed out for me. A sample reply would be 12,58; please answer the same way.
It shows 5,50
